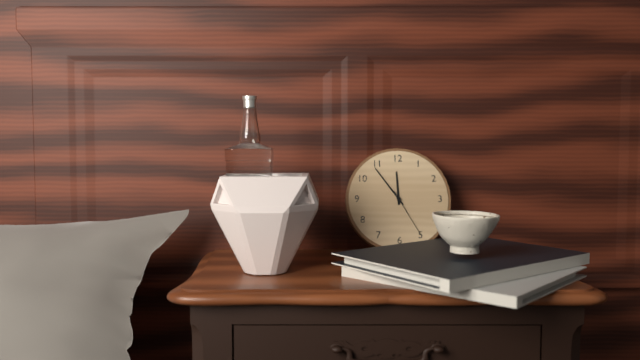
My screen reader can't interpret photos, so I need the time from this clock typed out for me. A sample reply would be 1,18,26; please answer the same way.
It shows 11,54,25
